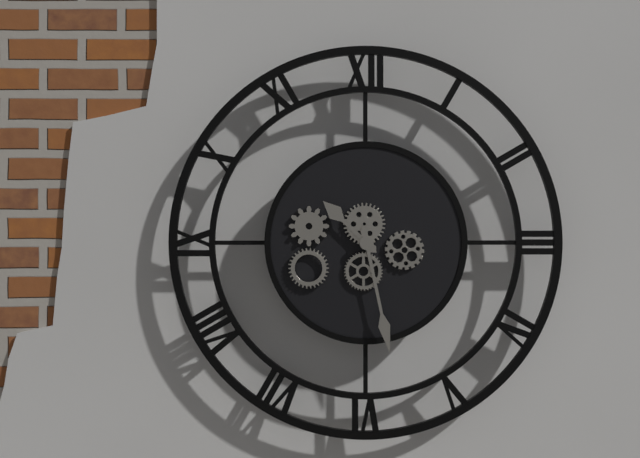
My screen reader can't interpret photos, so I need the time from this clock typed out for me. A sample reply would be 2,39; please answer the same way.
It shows 10,28
